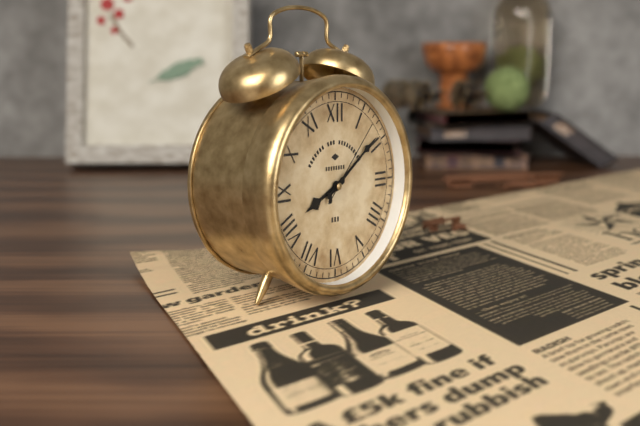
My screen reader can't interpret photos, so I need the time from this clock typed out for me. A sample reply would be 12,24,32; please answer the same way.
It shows 8,09,07
